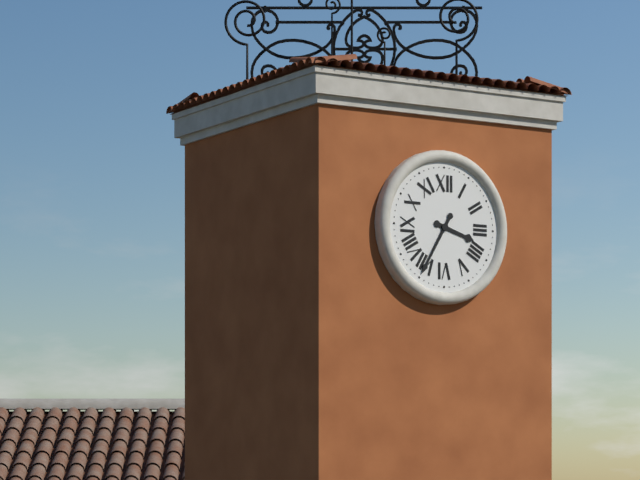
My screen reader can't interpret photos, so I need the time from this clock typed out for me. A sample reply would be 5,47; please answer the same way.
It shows 3,35
